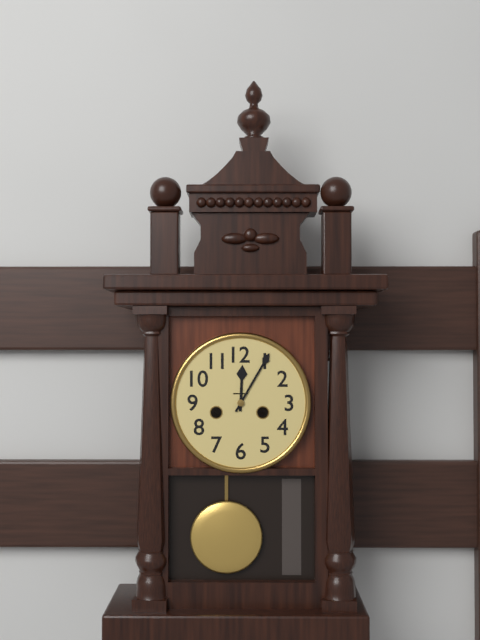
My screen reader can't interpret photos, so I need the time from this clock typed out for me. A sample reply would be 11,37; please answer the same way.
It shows 12,05
